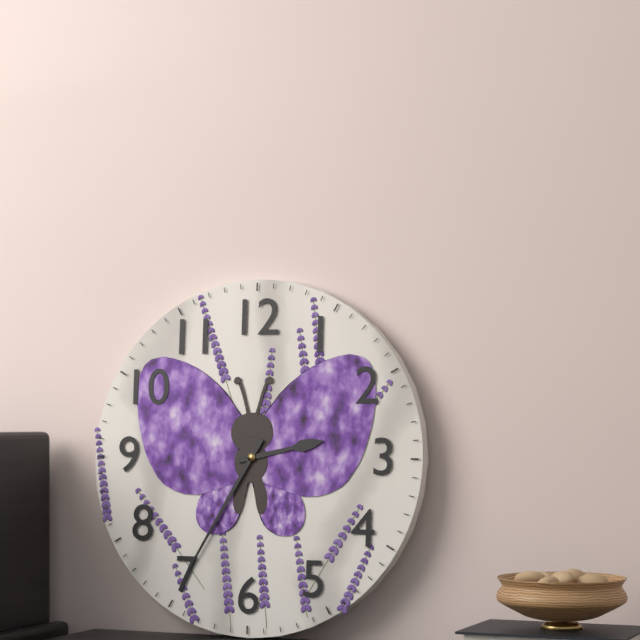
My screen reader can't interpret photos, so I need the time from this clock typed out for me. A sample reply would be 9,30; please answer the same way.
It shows 2,35
